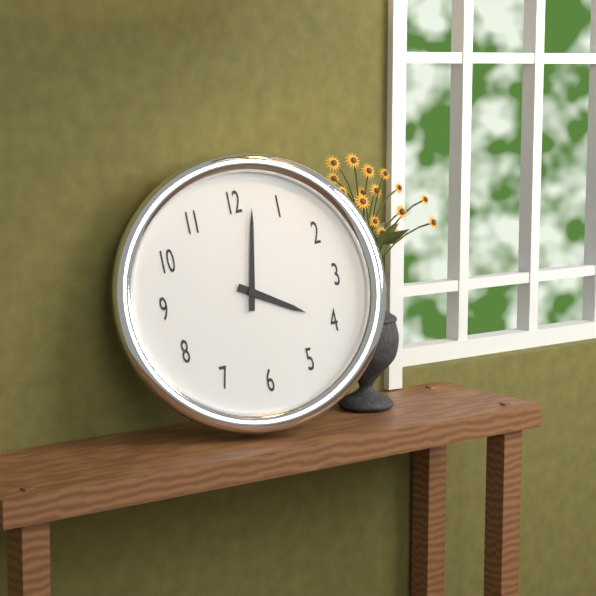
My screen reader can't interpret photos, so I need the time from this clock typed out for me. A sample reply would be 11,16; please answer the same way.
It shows 4,02
